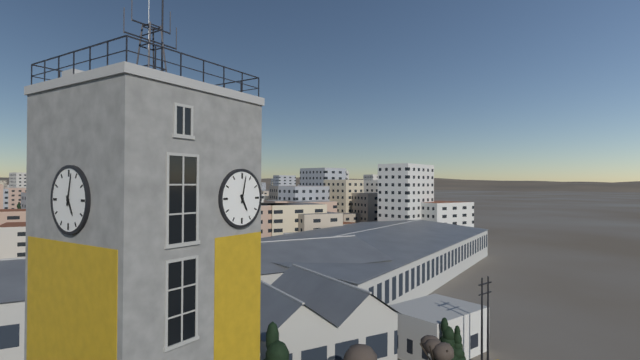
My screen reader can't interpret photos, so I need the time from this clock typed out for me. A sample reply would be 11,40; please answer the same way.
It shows 5,02
